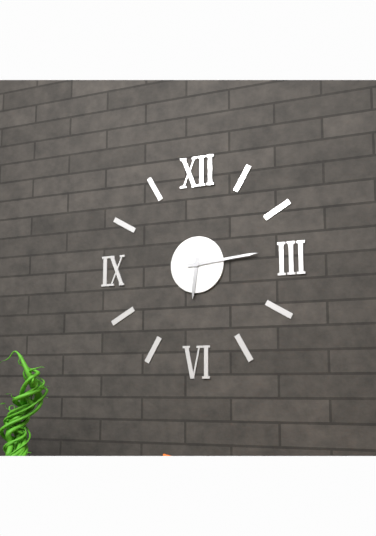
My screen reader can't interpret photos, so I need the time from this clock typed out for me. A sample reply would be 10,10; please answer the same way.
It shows 6,14
